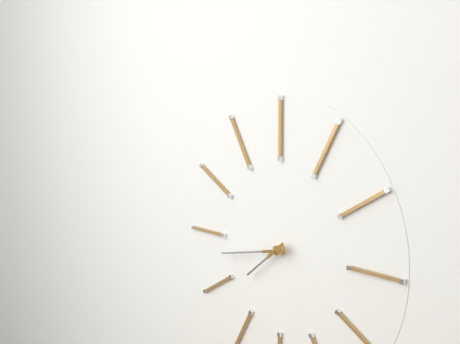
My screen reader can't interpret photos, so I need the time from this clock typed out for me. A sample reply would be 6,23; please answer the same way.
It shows 7,43
